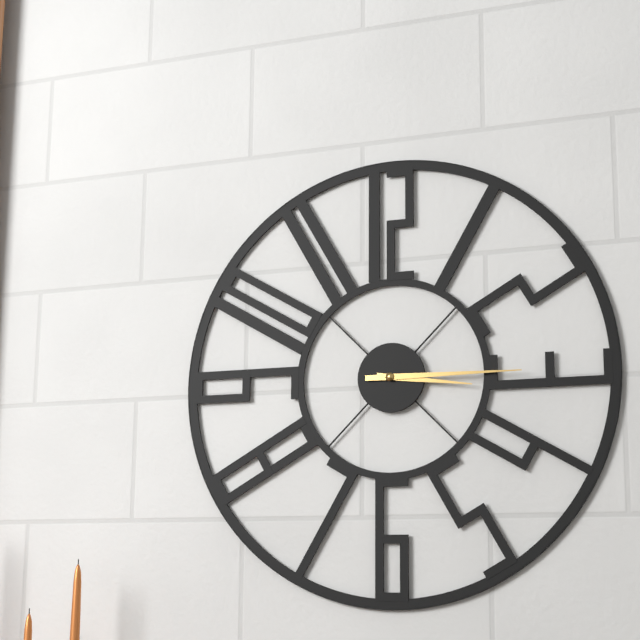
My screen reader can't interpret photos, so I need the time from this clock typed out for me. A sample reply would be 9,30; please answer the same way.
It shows 3,15
